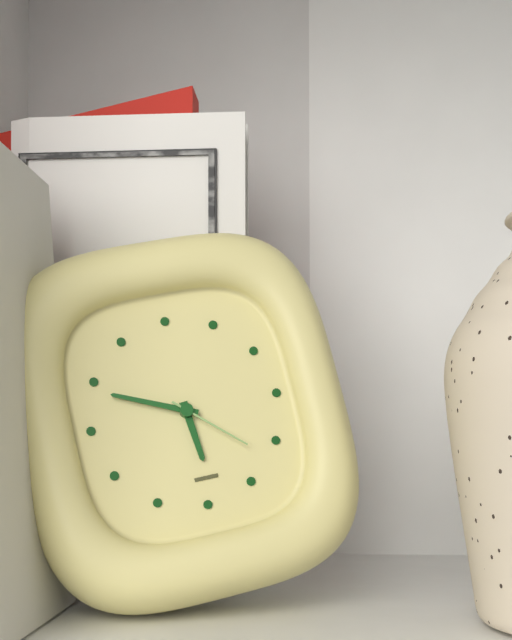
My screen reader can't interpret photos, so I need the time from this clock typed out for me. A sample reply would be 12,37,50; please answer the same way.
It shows 5,49,22
